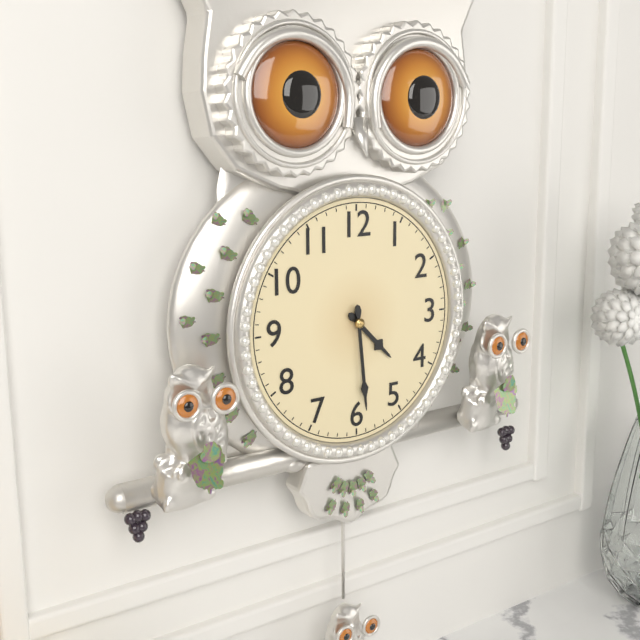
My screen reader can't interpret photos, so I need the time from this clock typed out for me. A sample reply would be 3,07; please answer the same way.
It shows 4,29
